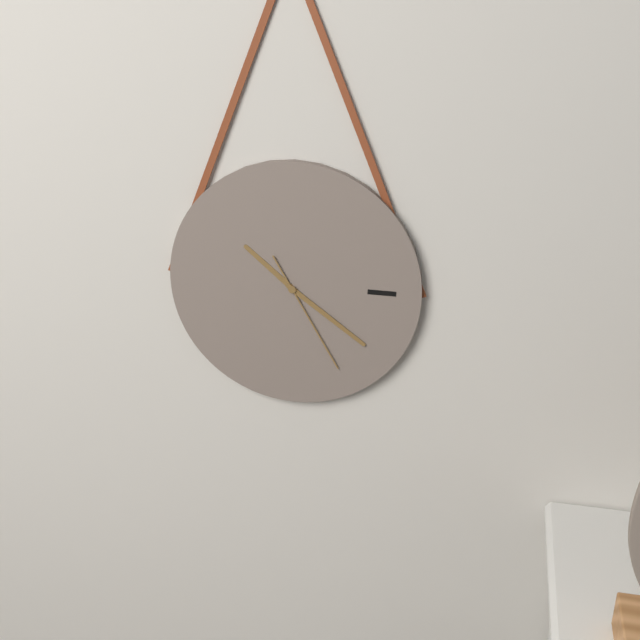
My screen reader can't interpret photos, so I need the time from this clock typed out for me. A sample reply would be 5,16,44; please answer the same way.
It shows 10,21,25
